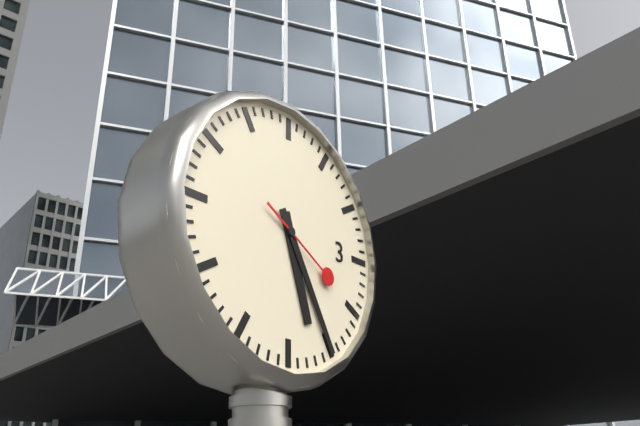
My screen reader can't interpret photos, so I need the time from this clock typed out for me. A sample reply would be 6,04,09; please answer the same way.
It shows 5,25,20
